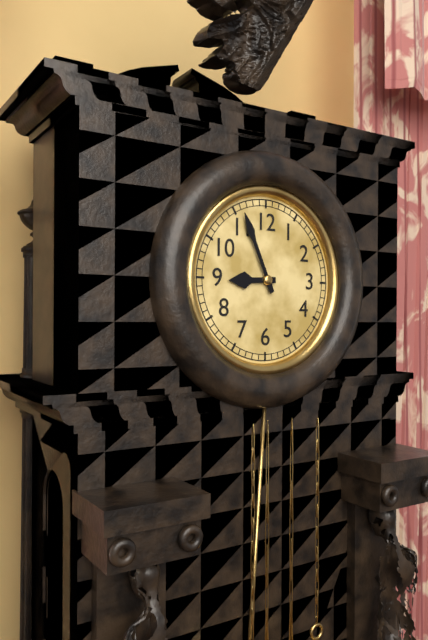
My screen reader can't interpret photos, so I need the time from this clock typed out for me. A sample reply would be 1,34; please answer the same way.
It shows 8,56
